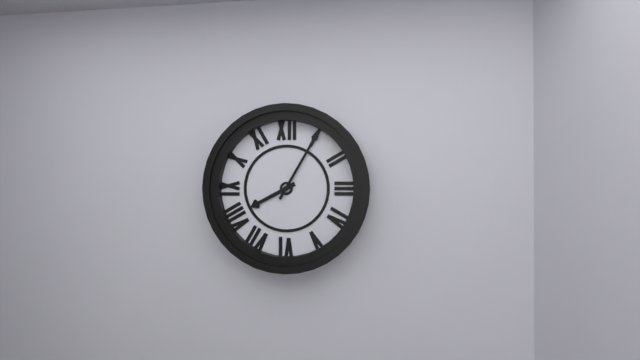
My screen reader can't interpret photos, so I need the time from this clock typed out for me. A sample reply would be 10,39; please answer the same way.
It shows 8,05
